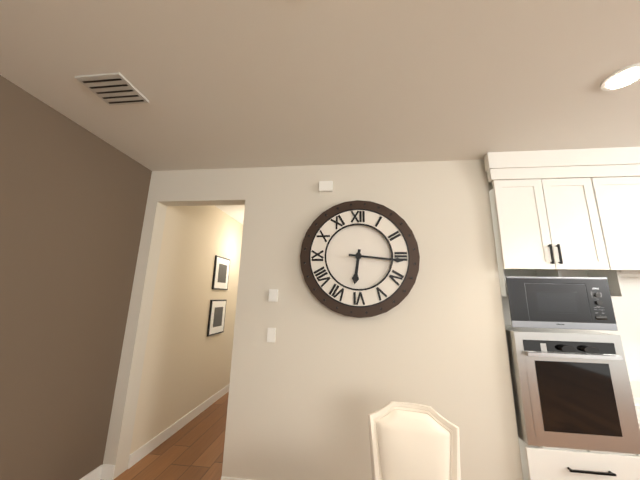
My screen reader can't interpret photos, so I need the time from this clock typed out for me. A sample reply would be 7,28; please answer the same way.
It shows 6,16
